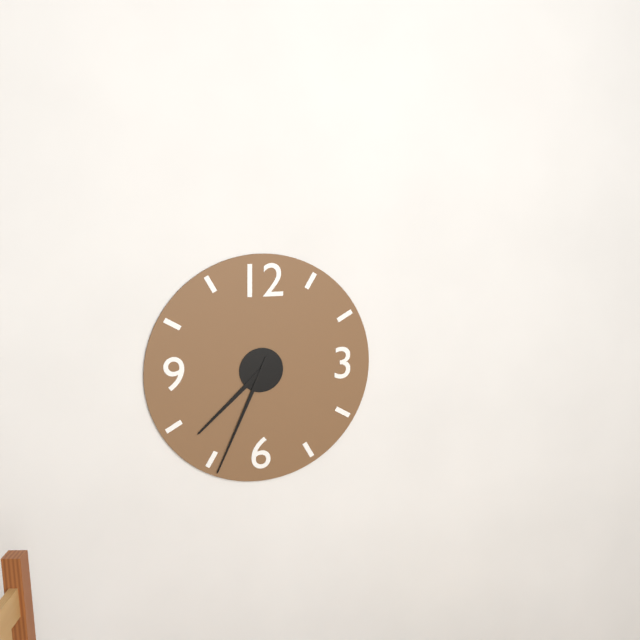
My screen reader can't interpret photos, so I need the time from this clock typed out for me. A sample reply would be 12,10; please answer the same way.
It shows 7,34
